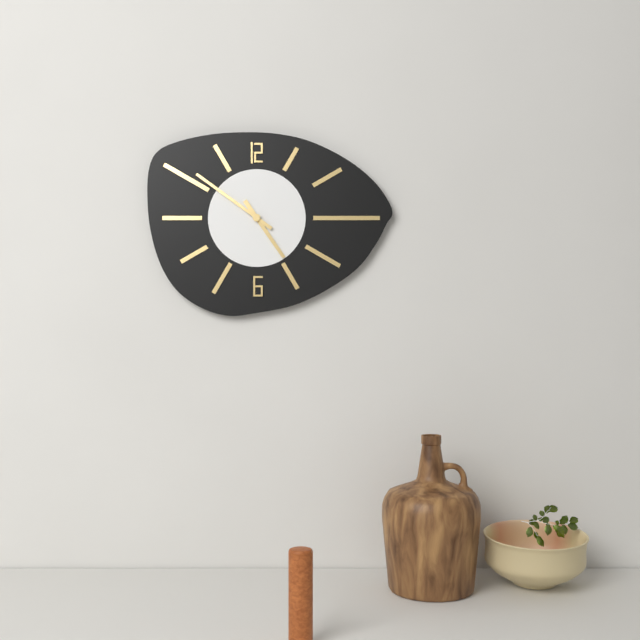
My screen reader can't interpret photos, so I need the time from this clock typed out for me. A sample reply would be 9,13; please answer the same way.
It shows 4,51
